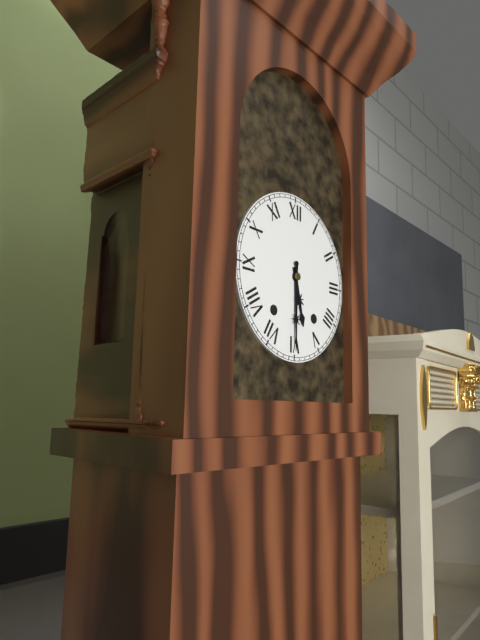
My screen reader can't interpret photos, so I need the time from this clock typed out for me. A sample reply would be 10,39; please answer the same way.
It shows 5,30
